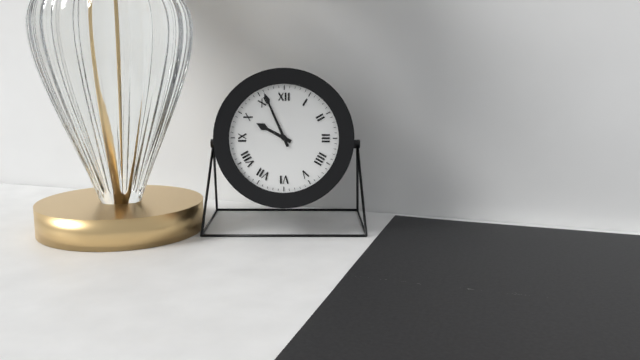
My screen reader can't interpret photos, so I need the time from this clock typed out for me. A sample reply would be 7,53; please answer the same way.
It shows 9,56
